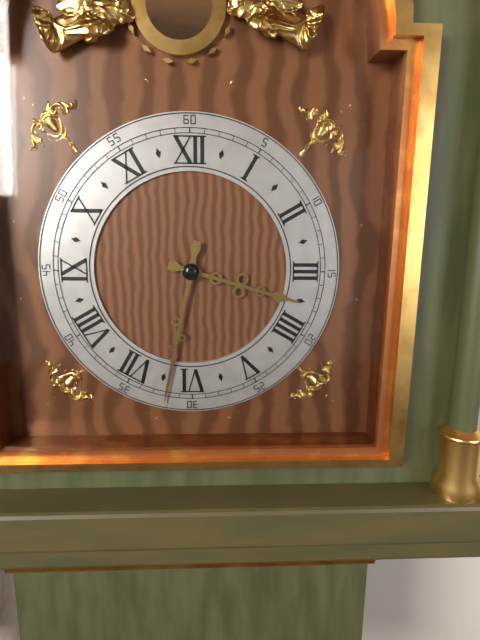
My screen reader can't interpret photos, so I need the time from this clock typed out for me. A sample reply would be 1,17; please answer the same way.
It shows 3,32
